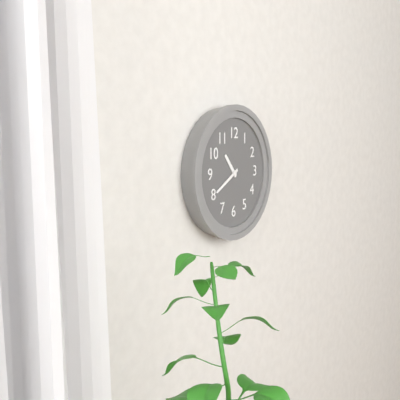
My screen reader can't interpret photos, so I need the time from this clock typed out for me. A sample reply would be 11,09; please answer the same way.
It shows 10,40
